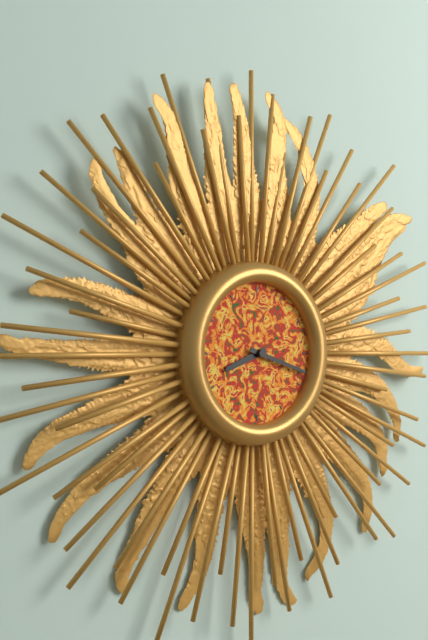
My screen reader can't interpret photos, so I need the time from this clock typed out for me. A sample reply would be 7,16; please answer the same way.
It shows 8,18
